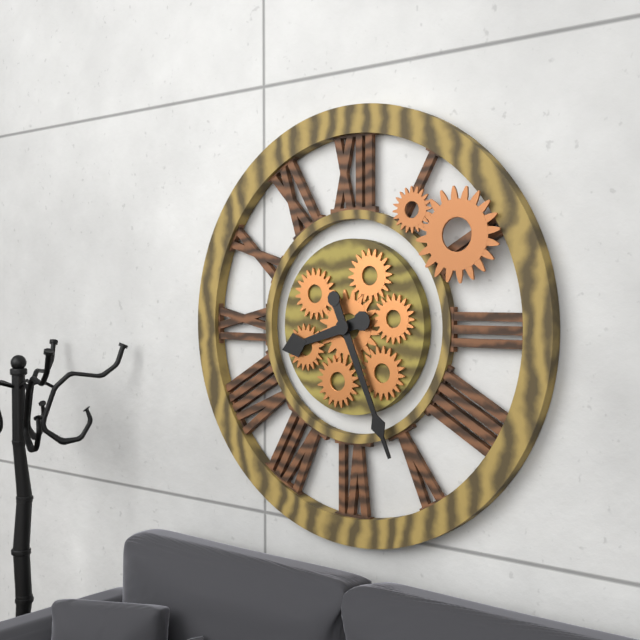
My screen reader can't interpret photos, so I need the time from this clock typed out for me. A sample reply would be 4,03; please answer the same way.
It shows 8,26
